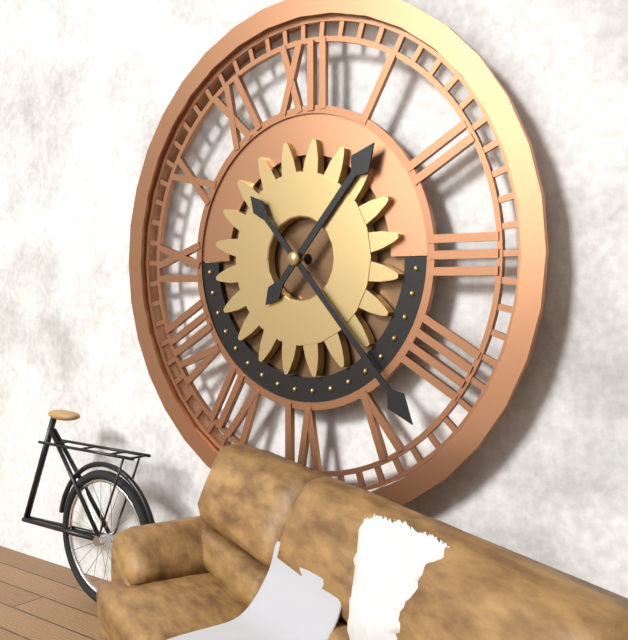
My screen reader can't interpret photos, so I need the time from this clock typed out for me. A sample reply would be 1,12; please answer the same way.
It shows 1,23
